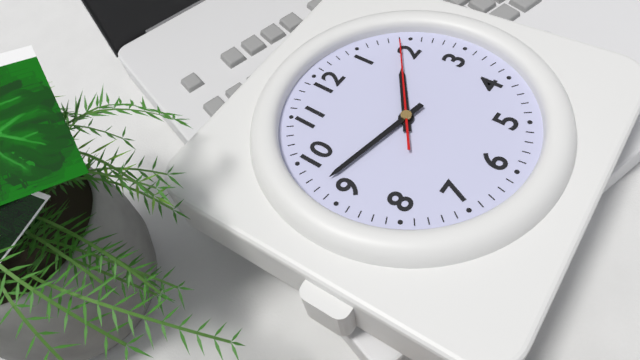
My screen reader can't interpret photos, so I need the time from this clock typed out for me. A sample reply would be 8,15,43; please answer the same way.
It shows 1,47,09
